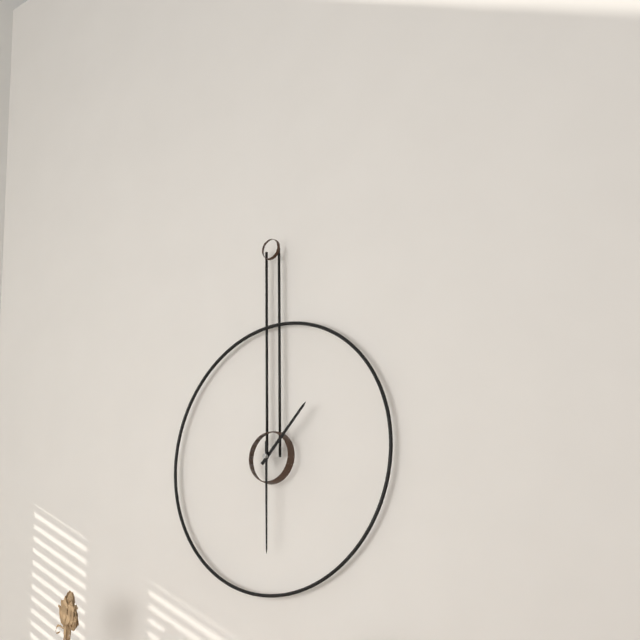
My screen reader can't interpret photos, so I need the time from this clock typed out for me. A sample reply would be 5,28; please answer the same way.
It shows 1,30
